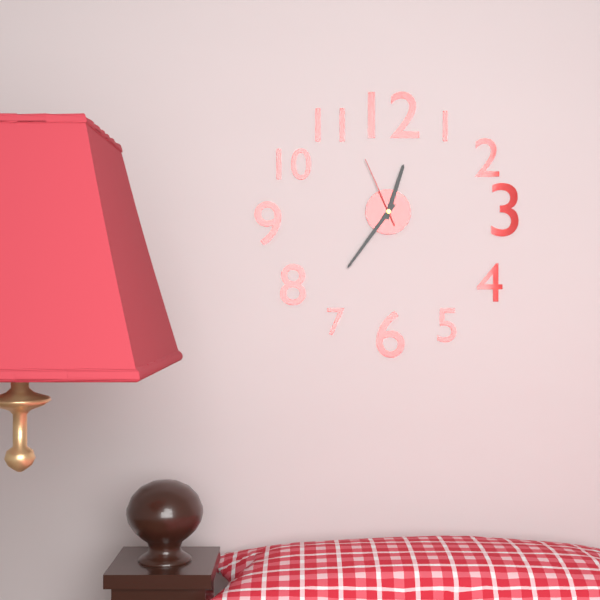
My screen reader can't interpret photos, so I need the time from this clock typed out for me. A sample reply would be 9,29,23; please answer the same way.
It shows 12,36,56
